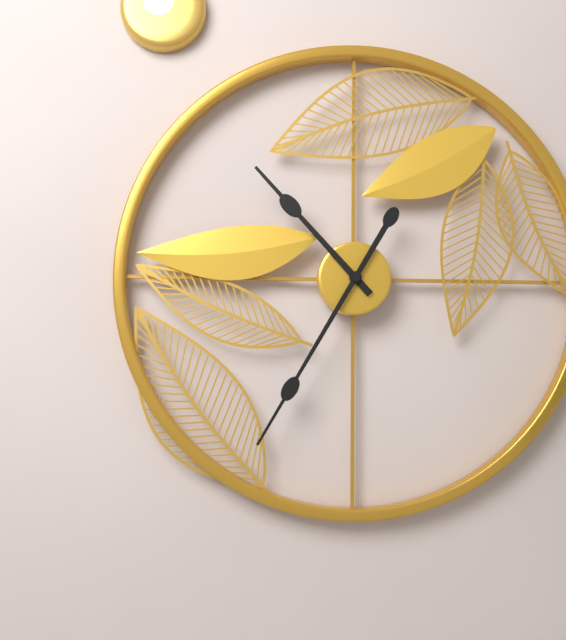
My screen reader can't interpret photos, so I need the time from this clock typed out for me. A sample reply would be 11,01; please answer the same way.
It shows 10,35
